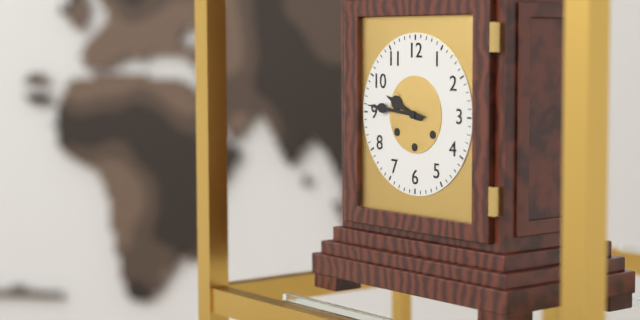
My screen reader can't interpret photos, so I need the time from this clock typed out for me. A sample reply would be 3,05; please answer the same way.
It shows 9,46
